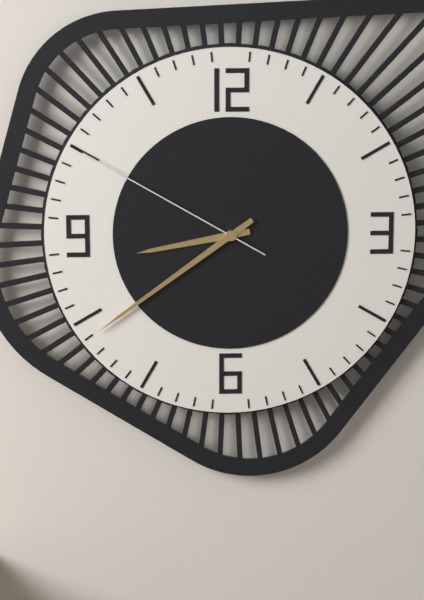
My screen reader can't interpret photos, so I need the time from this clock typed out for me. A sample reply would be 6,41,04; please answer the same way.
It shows 8,39,50
